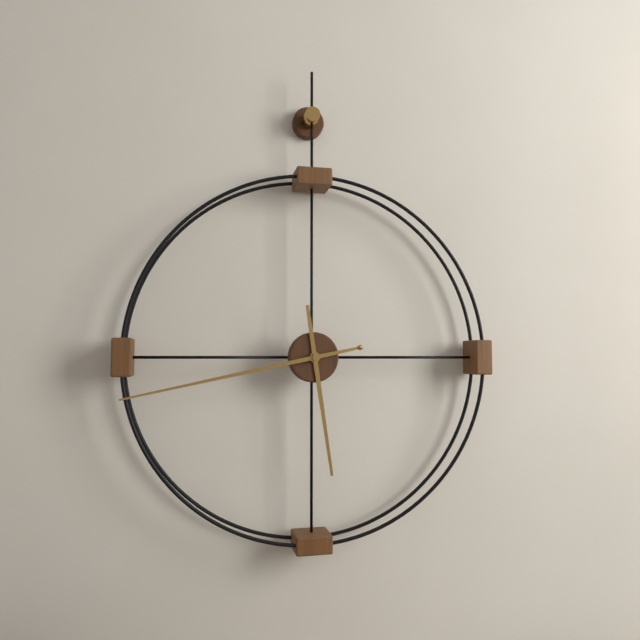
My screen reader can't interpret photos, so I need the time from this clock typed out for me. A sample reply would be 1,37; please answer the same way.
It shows 5,43
